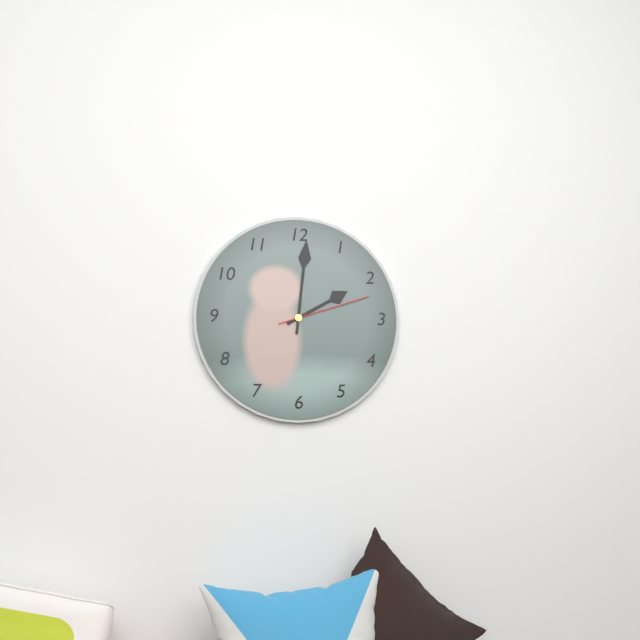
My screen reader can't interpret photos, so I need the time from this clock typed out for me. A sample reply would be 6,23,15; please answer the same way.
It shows 2,01,12
